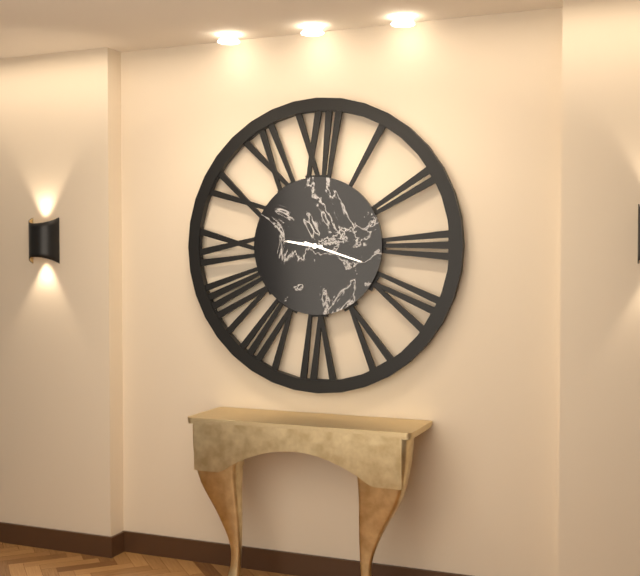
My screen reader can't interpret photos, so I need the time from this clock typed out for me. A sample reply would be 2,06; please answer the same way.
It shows 9,18
